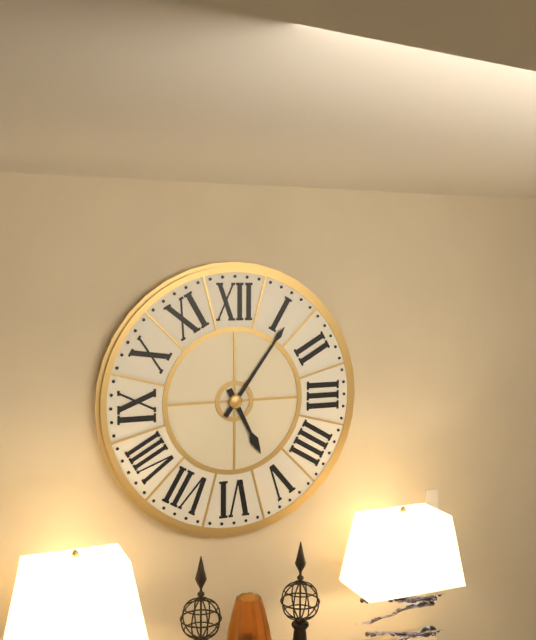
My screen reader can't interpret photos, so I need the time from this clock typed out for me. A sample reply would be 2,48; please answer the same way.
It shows 5,06
